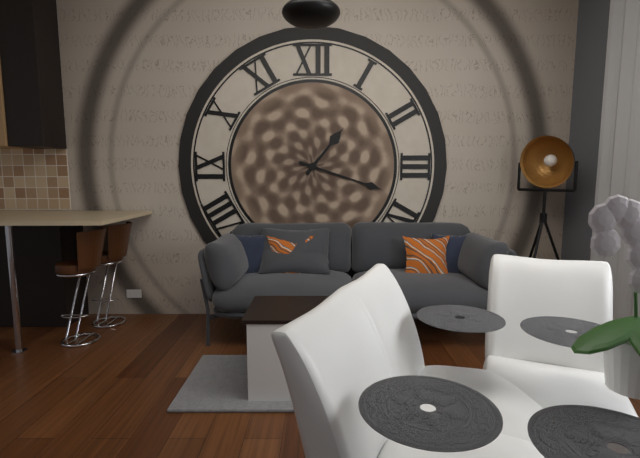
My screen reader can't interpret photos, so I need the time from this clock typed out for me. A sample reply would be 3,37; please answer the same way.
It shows 1,18
